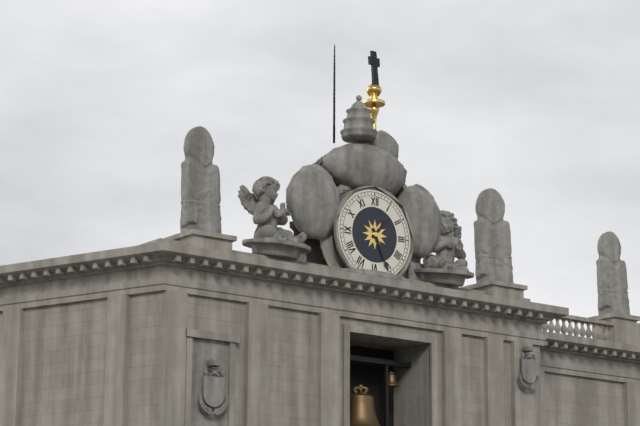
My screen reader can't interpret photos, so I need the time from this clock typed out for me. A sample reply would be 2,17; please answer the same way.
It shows 1,26
